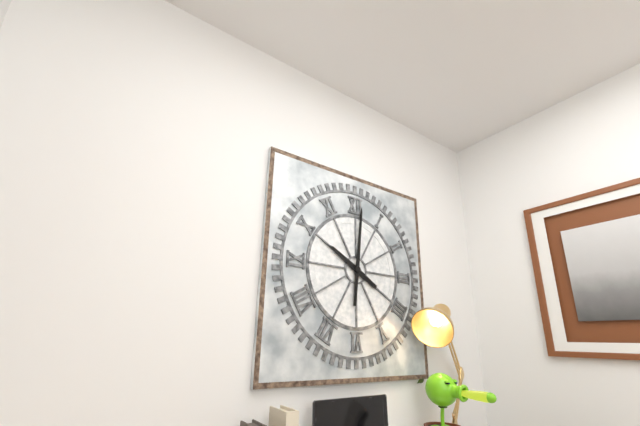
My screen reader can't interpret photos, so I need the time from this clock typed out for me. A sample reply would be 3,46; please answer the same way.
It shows 10,01
